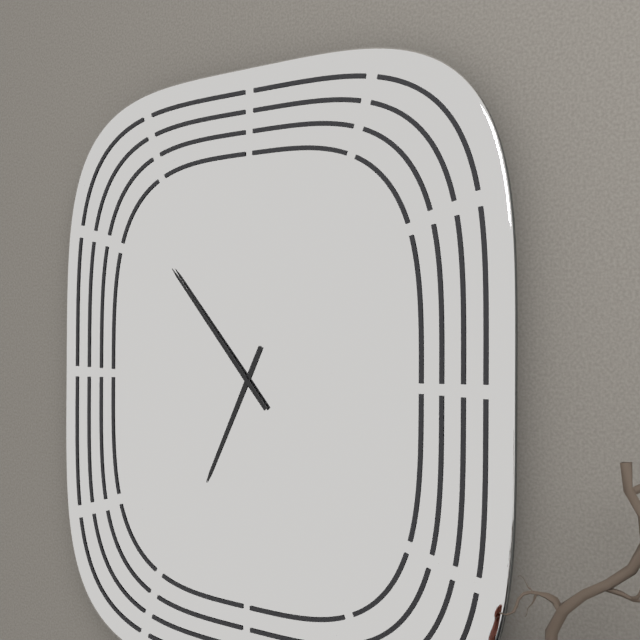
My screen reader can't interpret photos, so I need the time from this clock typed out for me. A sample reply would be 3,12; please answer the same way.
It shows 6,53
